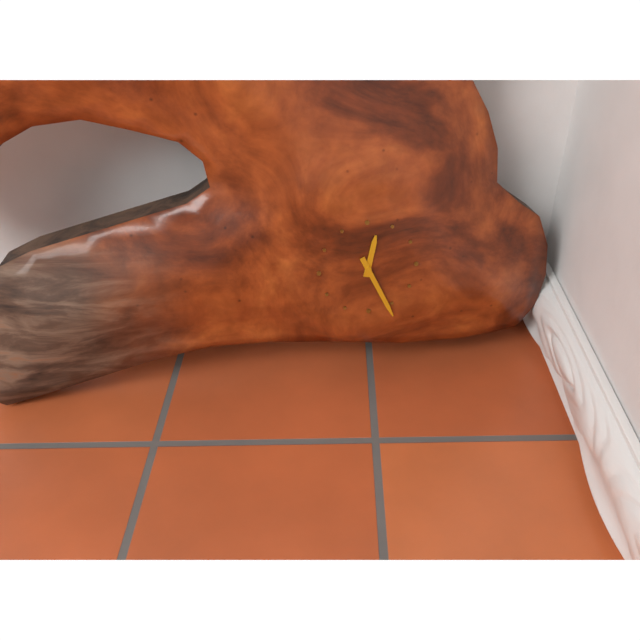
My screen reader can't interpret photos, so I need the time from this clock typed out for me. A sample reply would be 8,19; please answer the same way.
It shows 12,26
